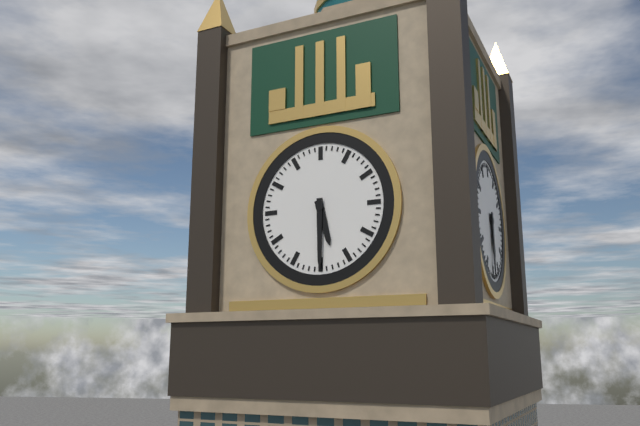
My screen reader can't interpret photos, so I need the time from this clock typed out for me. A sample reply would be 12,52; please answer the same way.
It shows 5,30
